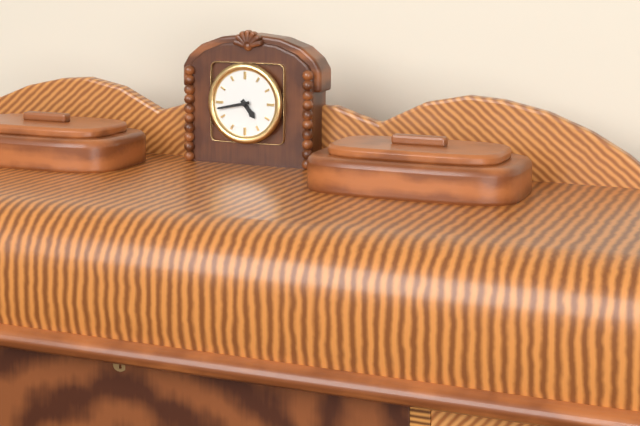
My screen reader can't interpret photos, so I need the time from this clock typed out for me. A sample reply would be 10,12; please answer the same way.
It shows 4,43
